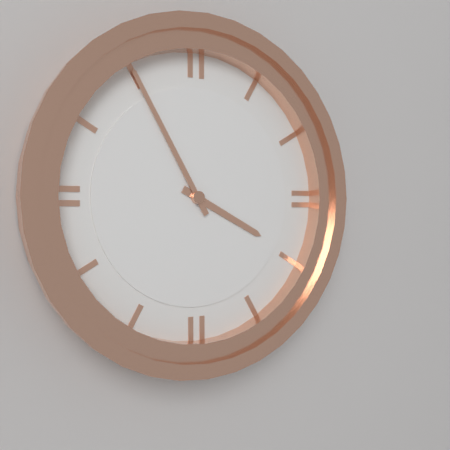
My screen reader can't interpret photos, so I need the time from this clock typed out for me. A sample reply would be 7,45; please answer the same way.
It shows 3,55
